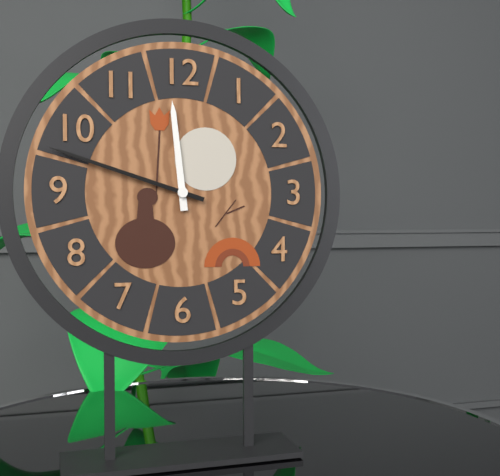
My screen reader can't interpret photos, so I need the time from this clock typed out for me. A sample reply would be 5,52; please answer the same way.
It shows 11,48
